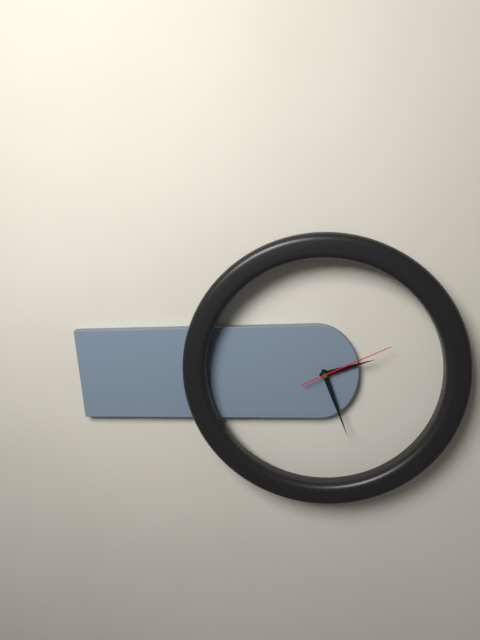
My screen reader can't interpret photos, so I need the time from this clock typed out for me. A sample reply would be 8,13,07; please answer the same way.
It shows 2,27,11
